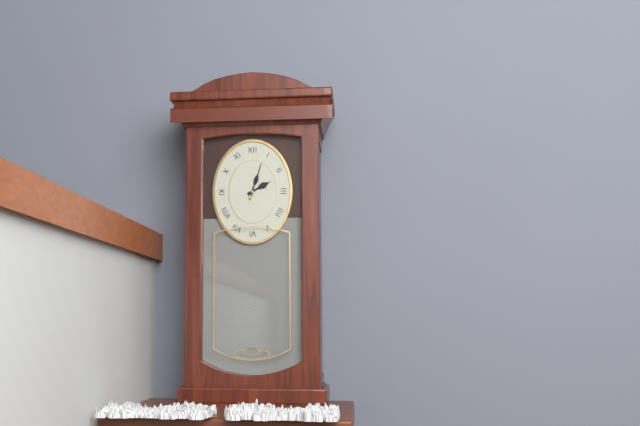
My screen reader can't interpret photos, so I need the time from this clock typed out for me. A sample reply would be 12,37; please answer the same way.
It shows 2,03
